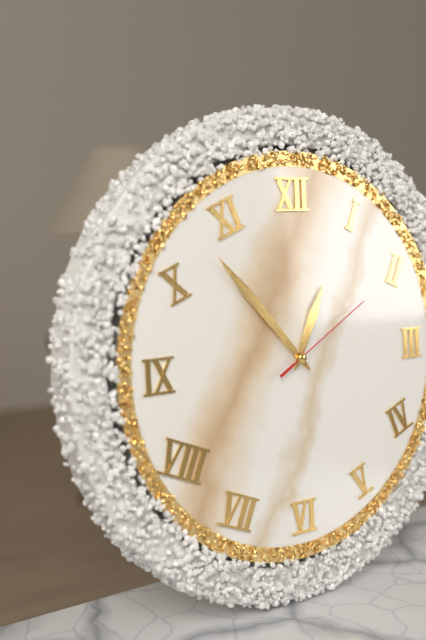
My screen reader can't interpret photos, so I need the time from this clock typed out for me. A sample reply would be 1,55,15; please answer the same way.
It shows 12,53,10
